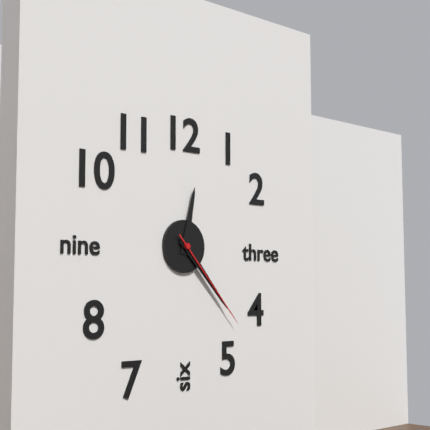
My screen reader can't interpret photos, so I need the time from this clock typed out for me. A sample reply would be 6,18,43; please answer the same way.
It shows 12,23,23
